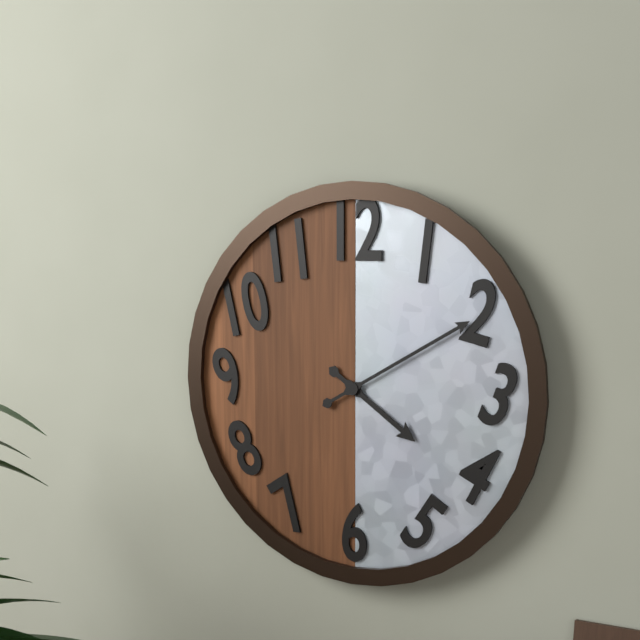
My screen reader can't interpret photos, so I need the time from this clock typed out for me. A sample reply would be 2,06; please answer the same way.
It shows 4,10
